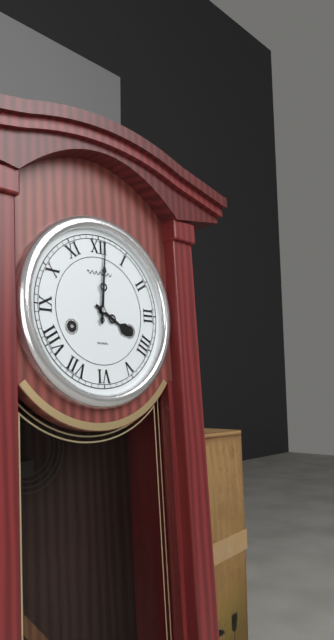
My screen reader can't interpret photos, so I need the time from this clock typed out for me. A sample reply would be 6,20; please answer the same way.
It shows 4,01
